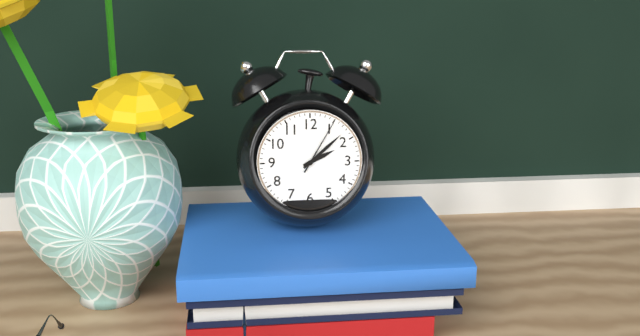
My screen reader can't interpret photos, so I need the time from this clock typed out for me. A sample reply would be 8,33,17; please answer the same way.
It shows 2,08,05
